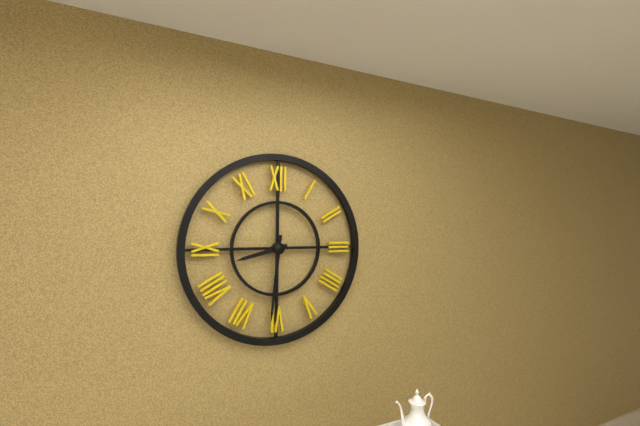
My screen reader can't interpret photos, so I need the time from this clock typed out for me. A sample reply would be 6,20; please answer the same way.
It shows 8,31
